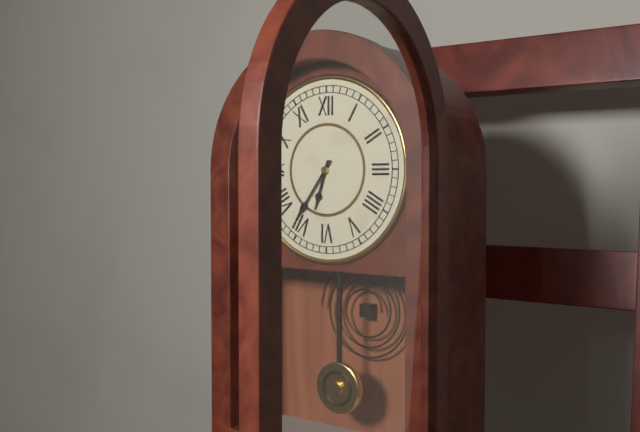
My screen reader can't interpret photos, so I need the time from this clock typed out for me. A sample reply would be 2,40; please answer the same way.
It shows 6,36
